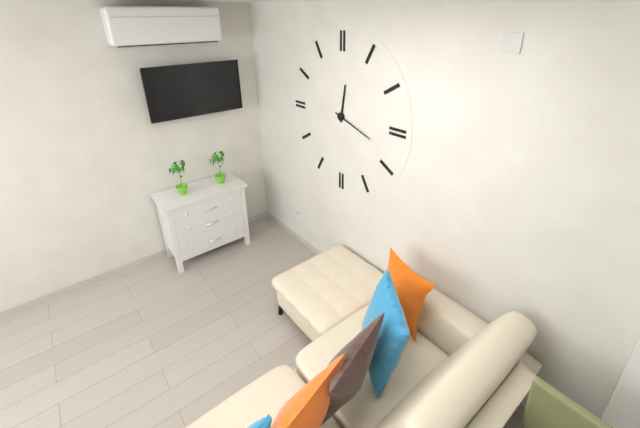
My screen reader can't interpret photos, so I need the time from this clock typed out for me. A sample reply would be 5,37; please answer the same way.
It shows 12,18
